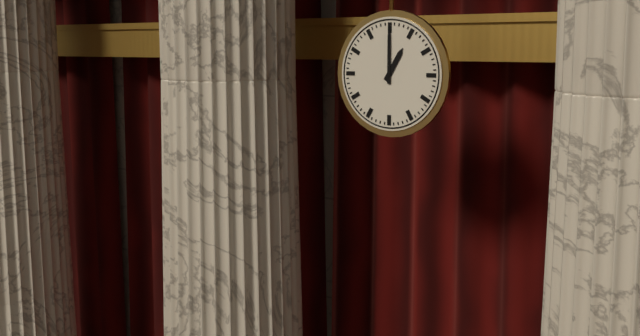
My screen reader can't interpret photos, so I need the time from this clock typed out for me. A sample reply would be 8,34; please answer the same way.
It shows 1,00
